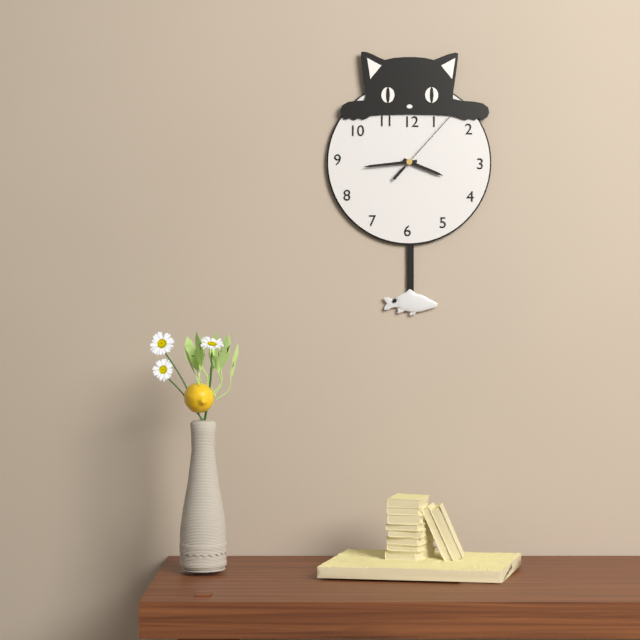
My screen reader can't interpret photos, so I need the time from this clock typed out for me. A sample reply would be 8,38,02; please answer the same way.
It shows 3,44,07
